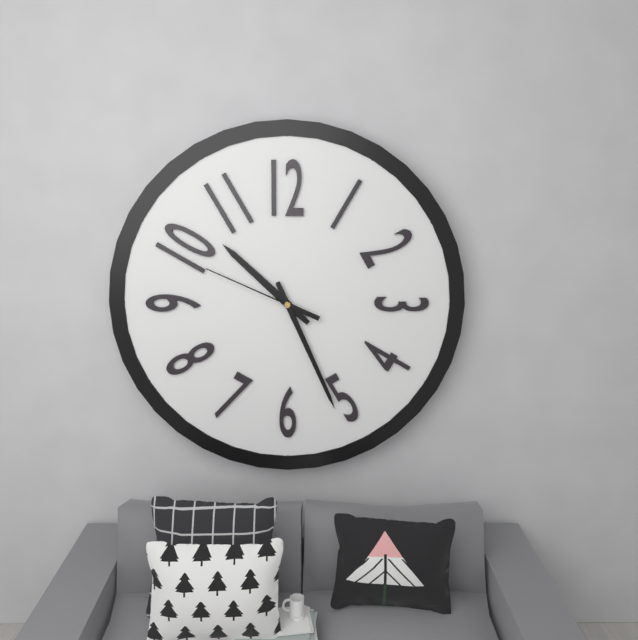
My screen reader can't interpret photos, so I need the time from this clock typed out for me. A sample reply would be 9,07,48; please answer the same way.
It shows 10,26,49
